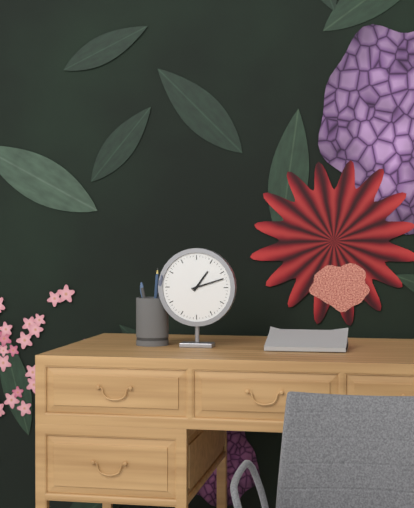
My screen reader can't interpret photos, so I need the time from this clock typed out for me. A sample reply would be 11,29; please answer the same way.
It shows 1,12
